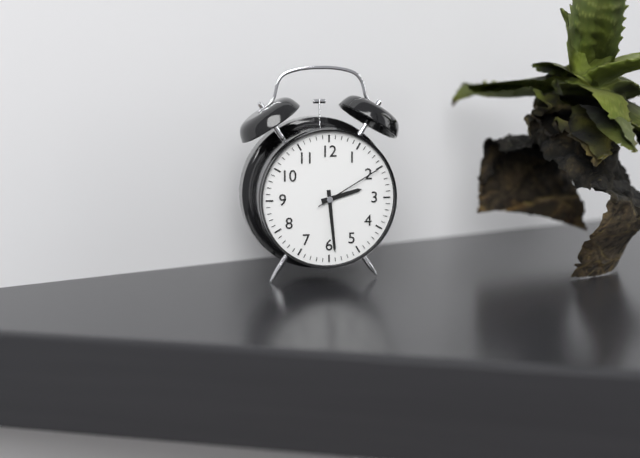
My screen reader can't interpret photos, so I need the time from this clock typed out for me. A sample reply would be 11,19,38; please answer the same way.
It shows 2,29,10
